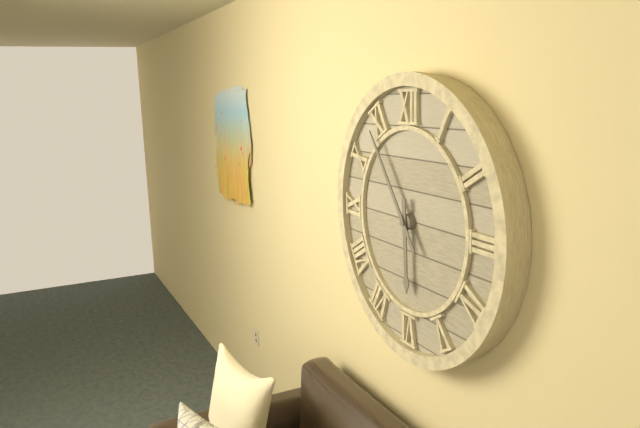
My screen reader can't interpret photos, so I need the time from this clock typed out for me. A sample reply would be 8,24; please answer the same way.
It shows 5,54
